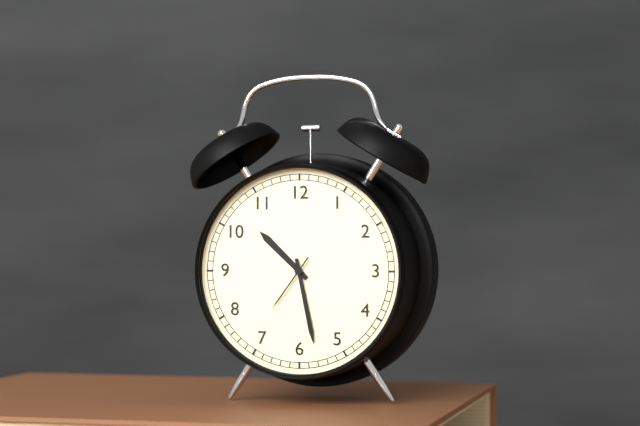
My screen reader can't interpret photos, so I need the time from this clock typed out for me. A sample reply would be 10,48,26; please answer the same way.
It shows 10,28,36
